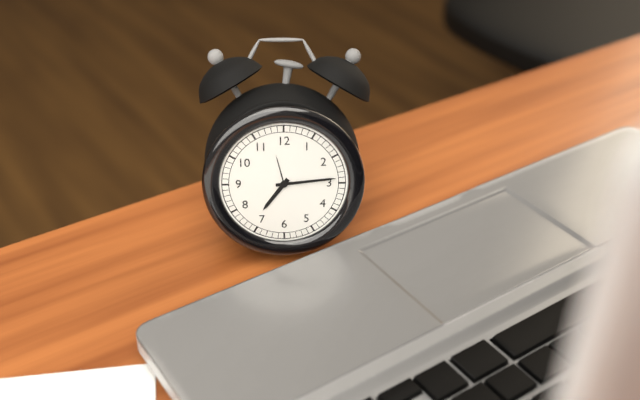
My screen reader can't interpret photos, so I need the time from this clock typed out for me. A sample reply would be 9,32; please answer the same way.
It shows 7,14
